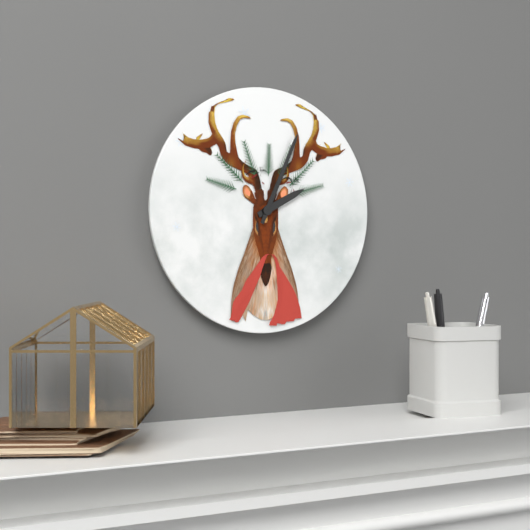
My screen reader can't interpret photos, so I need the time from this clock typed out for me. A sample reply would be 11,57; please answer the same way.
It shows 2,04
